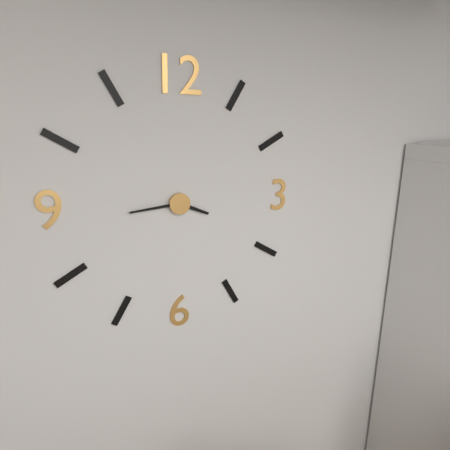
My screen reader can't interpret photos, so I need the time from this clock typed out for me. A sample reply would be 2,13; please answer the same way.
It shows 3,44
